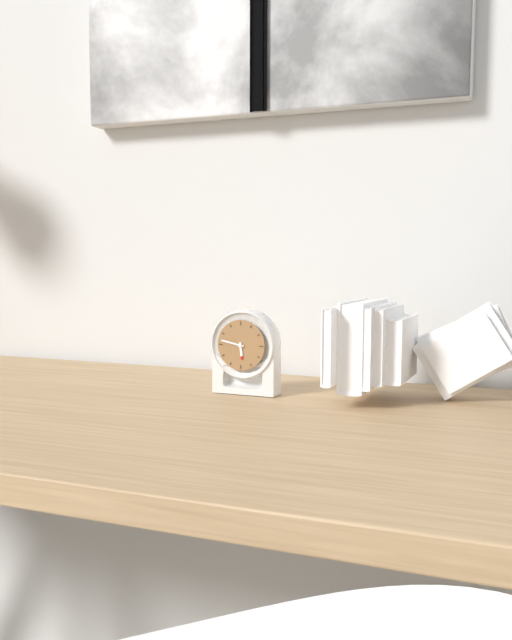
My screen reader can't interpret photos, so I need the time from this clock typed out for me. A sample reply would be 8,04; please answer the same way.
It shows 5,47
